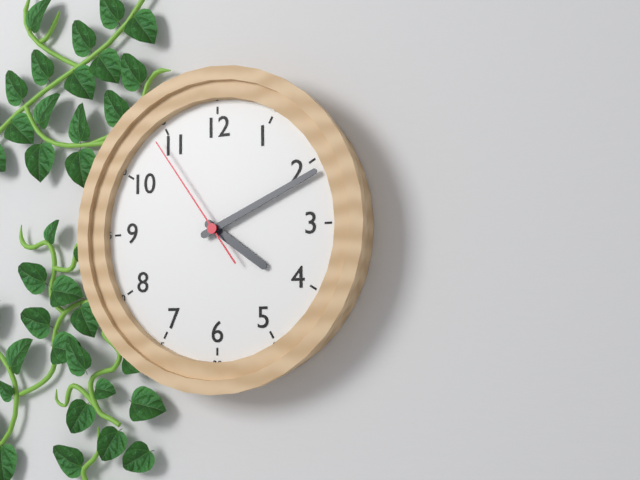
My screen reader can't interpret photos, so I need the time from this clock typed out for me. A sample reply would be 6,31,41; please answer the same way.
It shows 4,11,54
